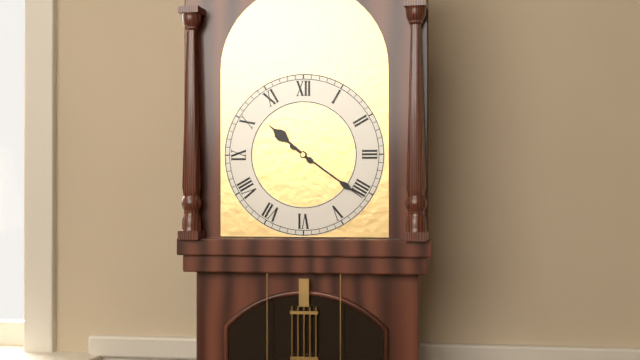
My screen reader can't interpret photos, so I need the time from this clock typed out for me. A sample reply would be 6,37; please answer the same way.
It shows 10,21
